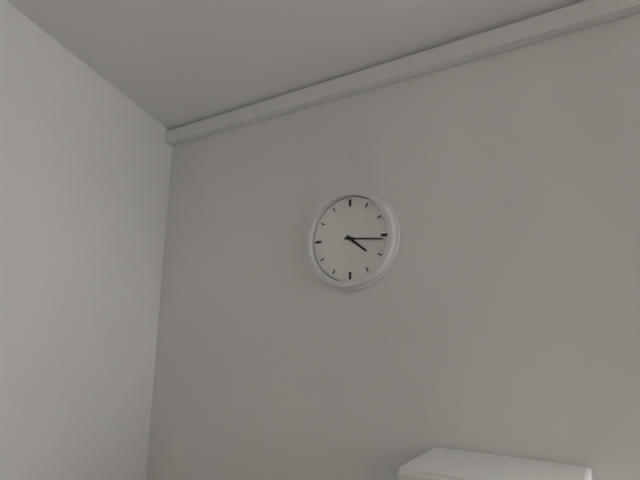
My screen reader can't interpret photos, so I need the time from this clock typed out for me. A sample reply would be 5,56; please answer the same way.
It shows 4,16
